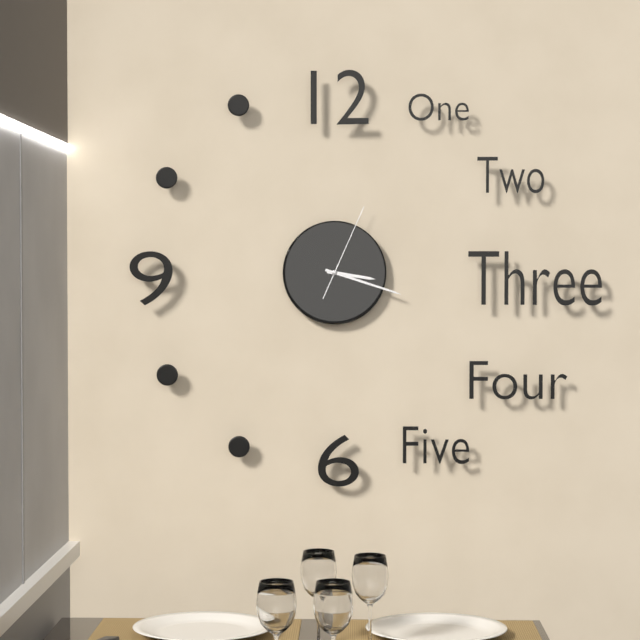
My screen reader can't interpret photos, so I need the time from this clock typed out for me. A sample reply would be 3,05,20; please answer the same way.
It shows 3,18,04
